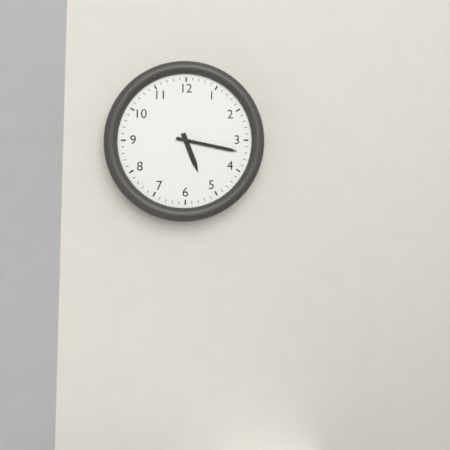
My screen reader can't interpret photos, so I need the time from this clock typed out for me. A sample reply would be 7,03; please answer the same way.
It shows 5,17
